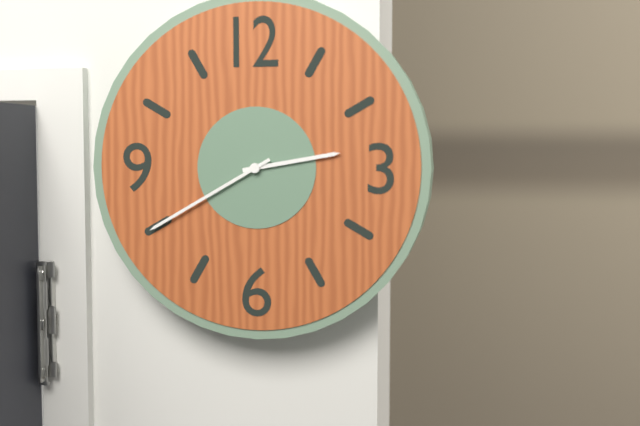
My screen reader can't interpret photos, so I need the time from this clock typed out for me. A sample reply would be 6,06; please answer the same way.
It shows 2,40
